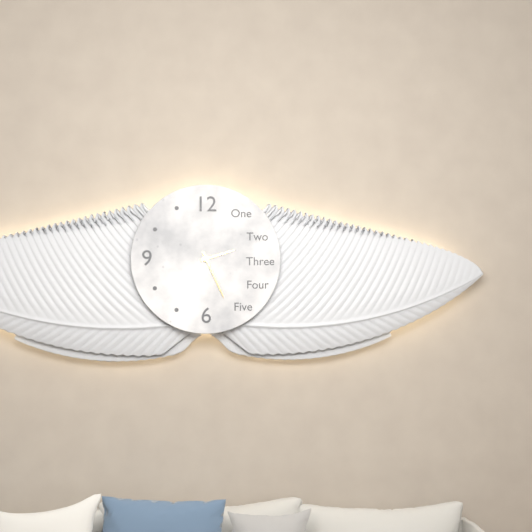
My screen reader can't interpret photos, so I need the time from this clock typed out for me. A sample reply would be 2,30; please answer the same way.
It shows 2,26
